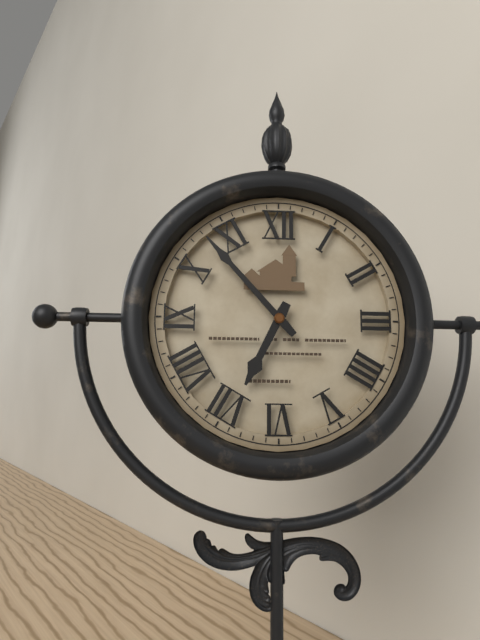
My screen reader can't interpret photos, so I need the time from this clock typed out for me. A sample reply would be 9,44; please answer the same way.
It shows 6,53
